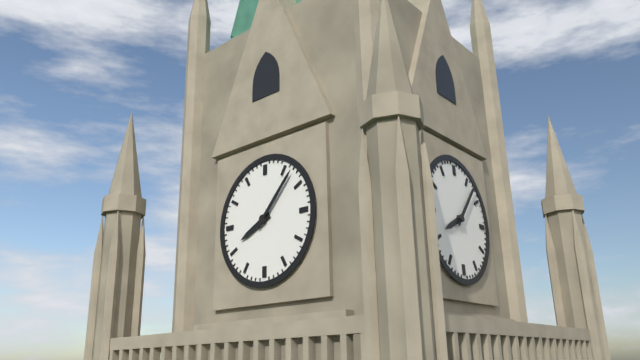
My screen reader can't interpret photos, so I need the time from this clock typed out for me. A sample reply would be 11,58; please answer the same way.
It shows 8,07
